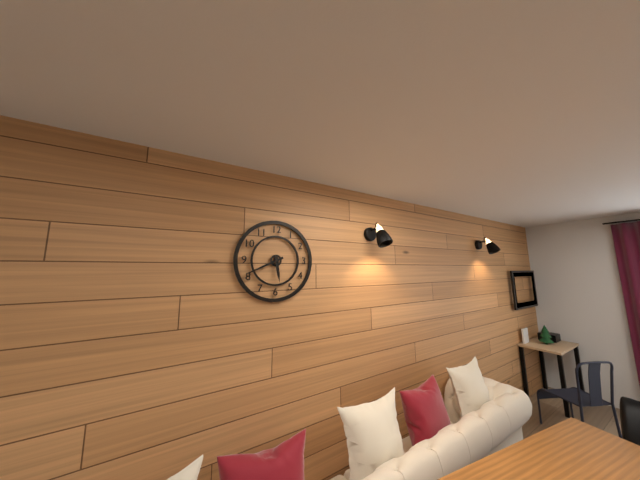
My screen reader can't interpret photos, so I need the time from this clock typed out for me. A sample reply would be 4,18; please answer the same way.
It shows 5,41
